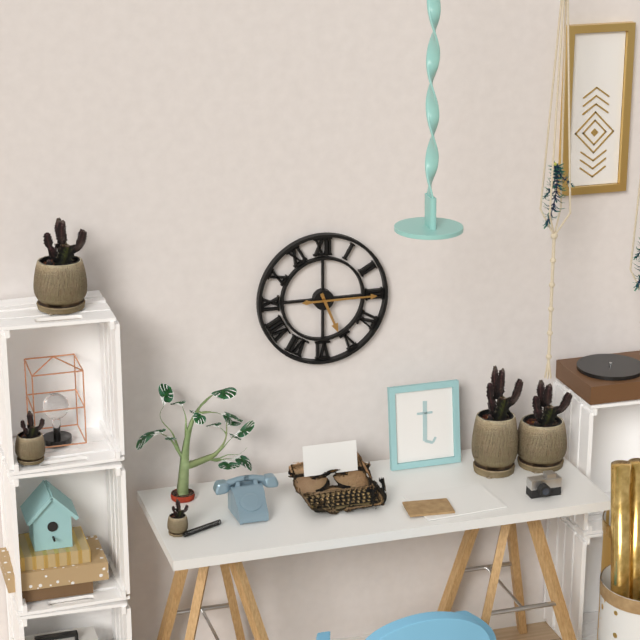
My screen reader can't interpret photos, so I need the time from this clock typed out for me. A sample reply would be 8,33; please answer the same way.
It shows 5,15
